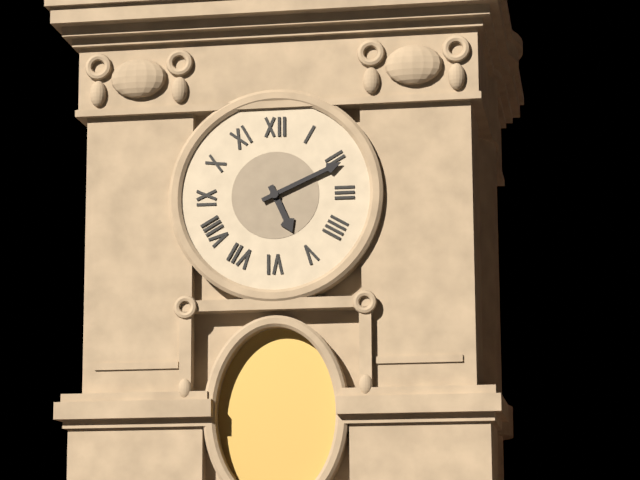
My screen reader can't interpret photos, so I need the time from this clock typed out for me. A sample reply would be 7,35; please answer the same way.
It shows 5,11
